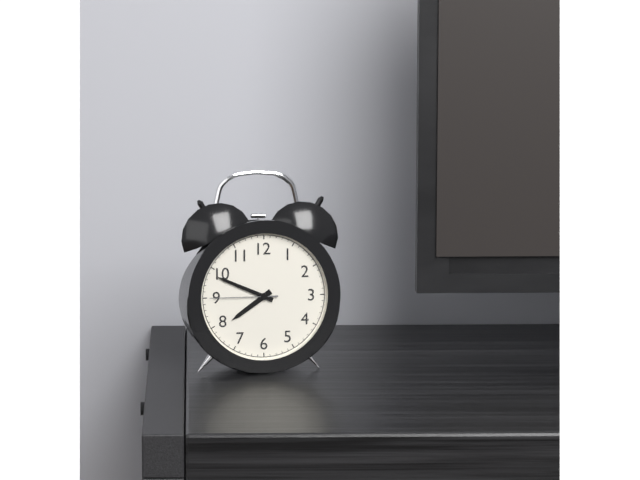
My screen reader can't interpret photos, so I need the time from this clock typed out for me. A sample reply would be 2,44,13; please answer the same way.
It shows 7,49,45
